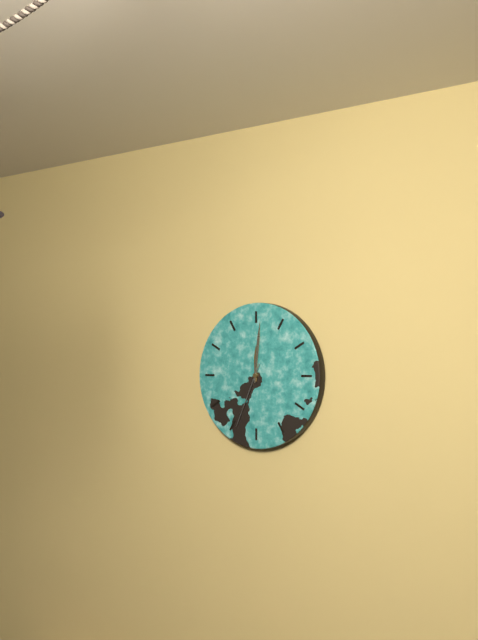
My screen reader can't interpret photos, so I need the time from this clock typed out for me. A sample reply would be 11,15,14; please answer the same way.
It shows 12,01,34
